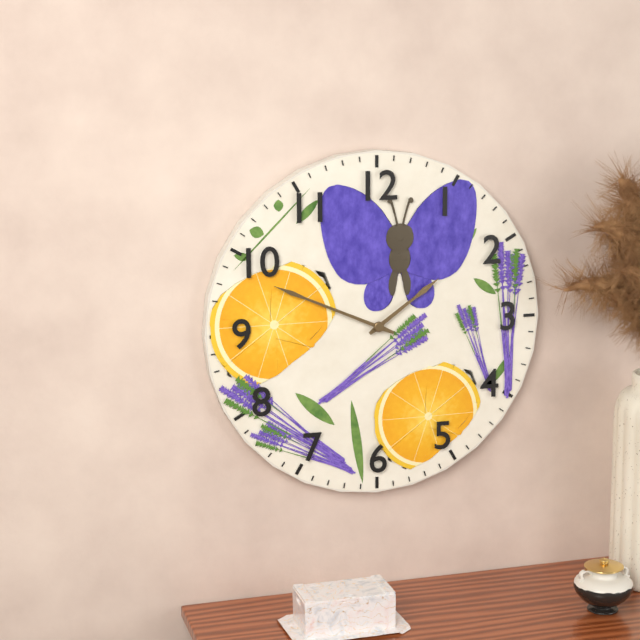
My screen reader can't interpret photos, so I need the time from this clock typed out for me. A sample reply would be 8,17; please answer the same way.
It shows 1,49
